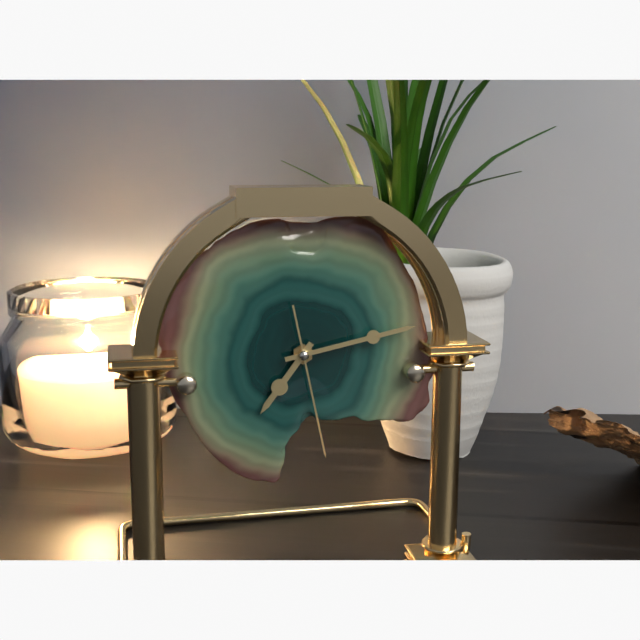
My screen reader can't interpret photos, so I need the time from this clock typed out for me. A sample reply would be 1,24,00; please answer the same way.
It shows 7,13,28
